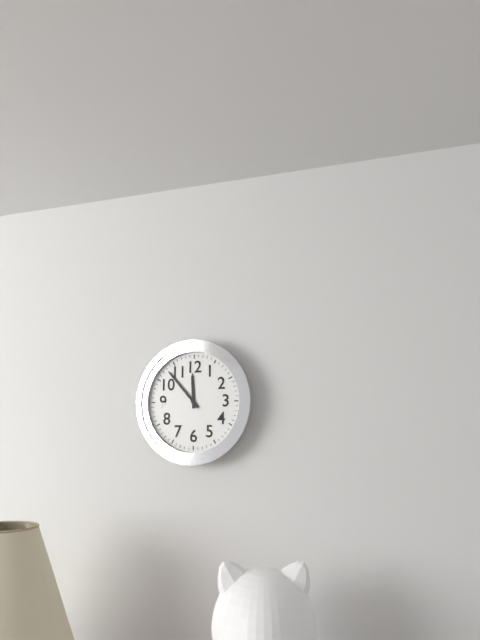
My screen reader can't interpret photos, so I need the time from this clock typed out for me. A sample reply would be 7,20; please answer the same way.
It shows 11,53
